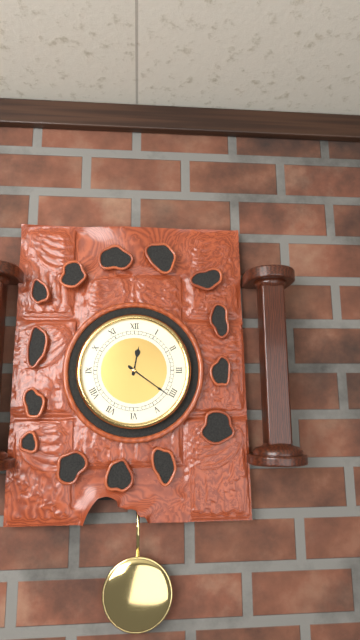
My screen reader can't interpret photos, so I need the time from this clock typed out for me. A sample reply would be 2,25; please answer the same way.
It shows 12,21
